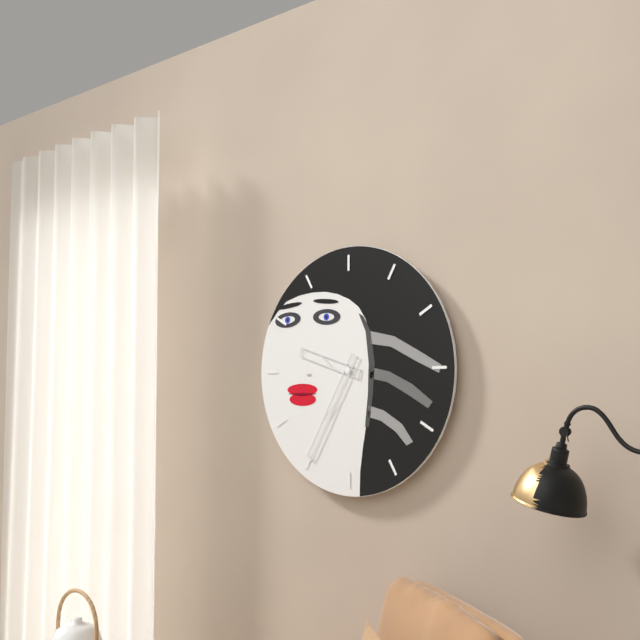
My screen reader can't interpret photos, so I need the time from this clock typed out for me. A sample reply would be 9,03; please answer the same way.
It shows 9,35
